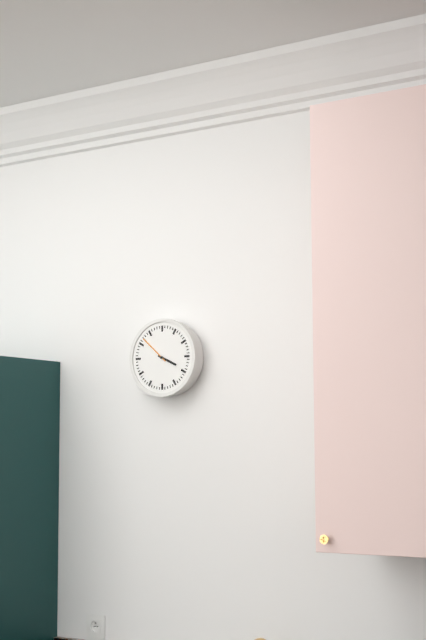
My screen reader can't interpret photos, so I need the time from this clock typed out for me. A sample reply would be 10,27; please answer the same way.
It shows 3,52
